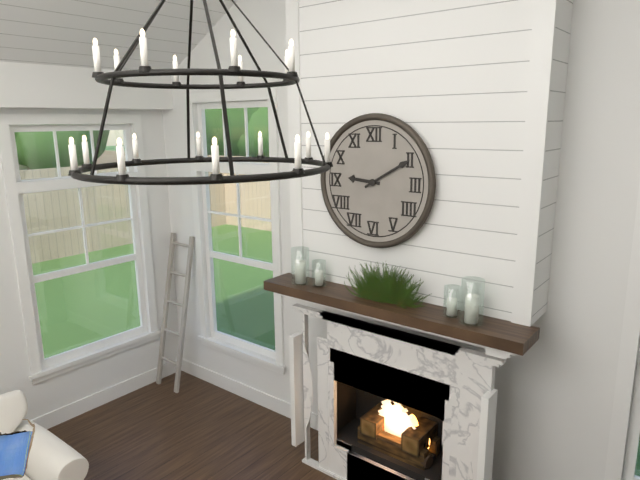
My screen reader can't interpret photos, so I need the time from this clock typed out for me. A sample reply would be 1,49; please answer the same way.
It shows 9,10
